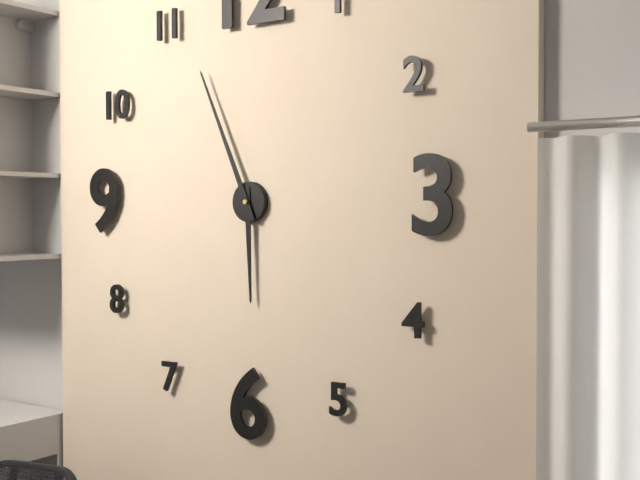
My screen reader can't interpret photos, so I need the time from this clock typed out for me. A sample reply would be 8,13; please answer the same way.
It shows 5,56
